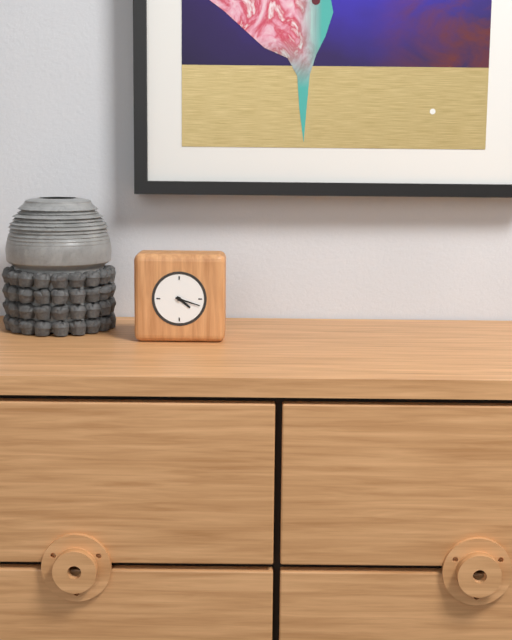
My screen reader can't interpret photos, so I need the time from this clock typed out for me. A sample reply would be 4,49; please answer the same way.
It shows 4,18
